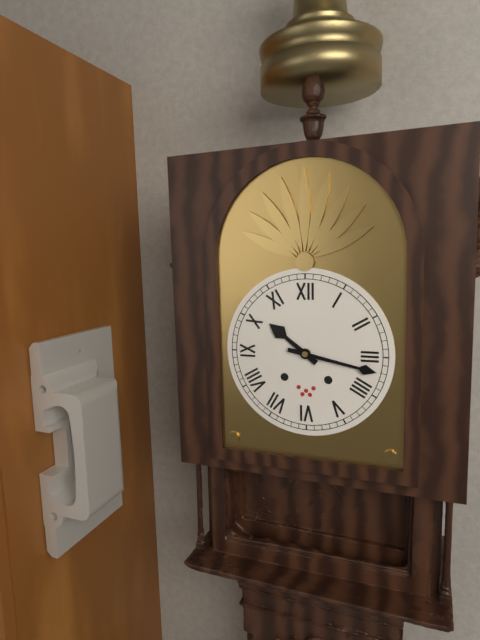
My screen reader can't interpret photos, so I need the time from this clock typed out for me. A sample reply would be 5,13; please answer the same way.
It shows 10,17
